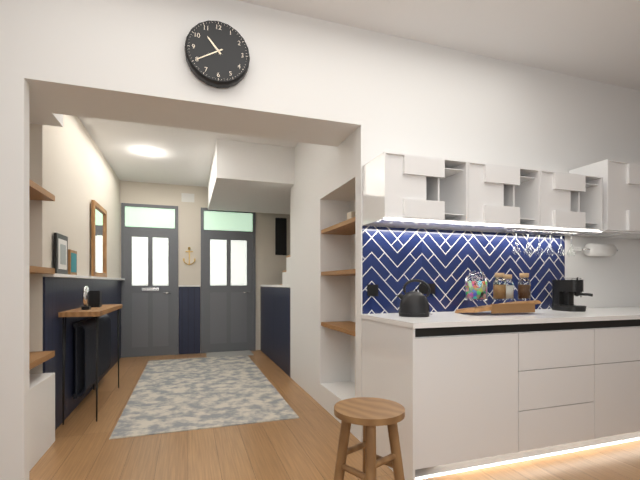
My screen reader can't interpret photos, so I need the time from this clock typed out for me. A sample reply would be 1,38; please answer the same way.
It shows 10,40
